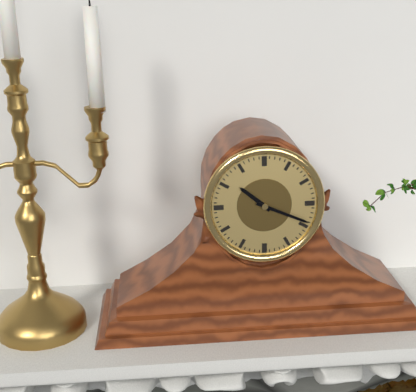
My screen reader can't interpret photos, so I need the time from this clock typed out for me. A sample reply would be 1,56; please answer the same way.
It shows 10,19
